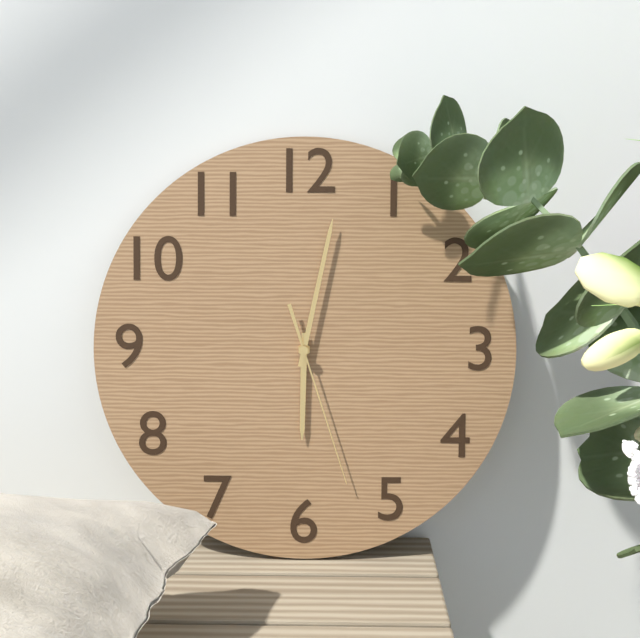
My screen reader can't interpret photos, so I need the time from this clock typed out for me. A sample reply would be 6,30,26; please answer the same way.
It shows 6,02,27
